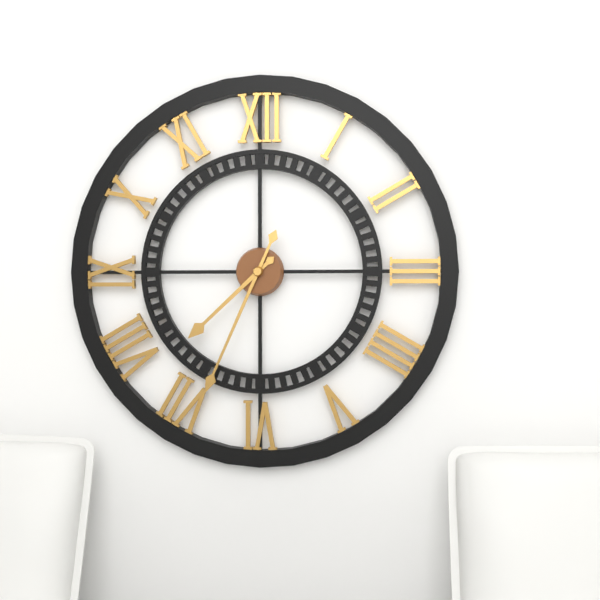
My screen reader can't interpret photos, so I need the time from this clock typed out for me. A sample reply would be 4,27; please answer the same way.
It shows 7,34
